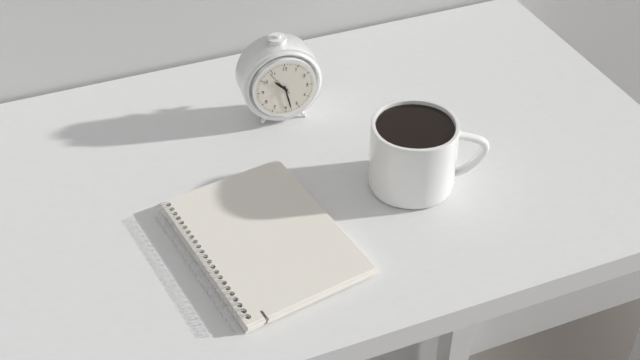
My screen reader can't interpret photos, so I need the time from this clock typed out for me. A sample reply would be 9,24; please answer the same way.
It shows 10,28
